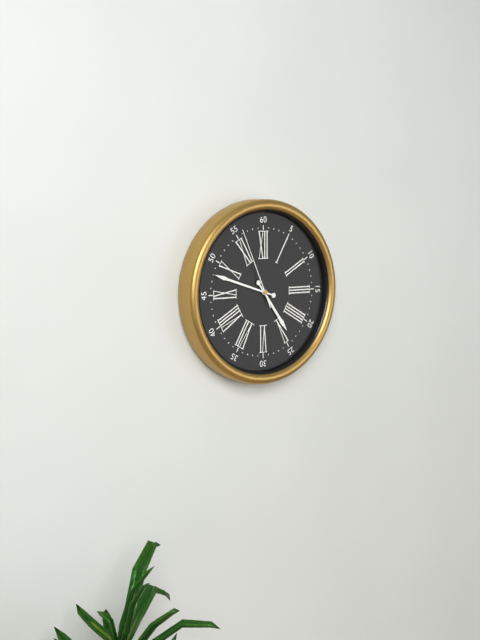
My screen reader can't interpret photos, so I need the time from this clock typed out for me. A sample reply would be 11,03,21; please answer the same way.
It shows 4,48,56
